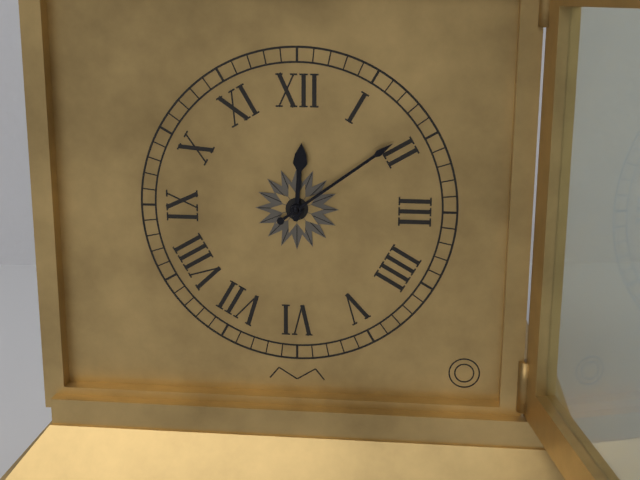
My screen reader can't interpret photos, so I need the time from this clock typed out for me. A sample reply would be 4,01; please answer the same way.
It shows 12,09
